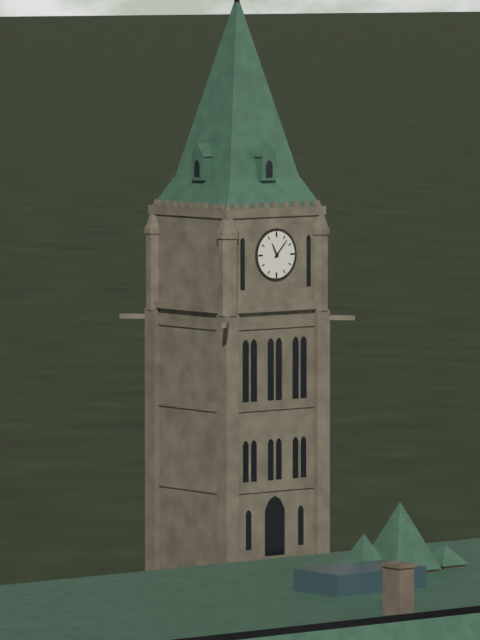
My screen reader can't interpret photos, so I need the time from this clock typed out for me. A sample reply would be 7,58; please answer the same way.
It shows 11,07
